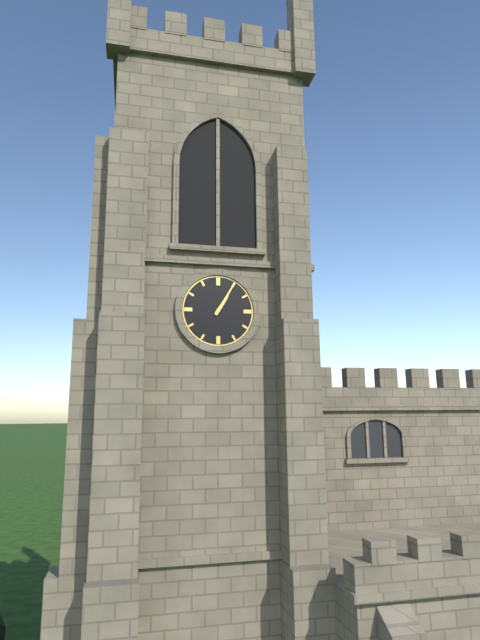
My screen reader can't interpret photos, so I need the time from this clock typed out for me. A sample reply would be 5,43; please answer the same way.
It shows 1,05
